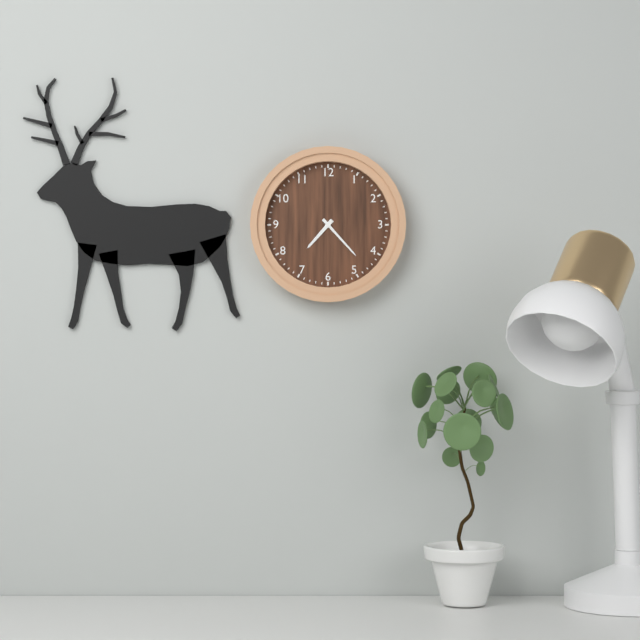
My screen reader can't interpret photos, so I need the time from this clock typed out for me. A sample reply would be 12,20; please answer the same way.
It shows 7,23
